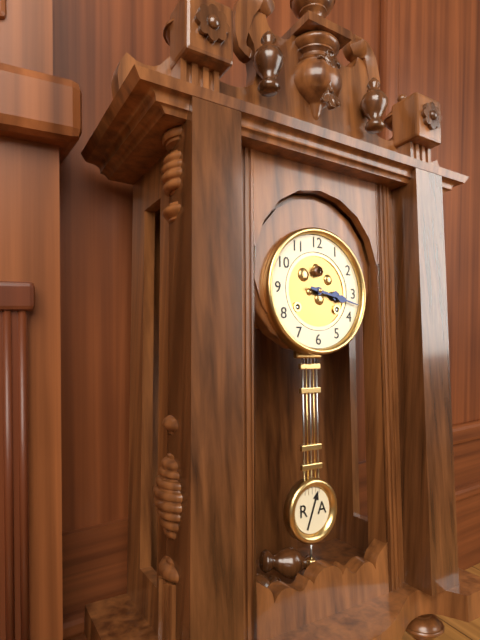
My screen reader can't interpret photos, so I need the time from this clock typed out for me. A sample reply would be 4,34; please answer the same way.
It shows 3,17
